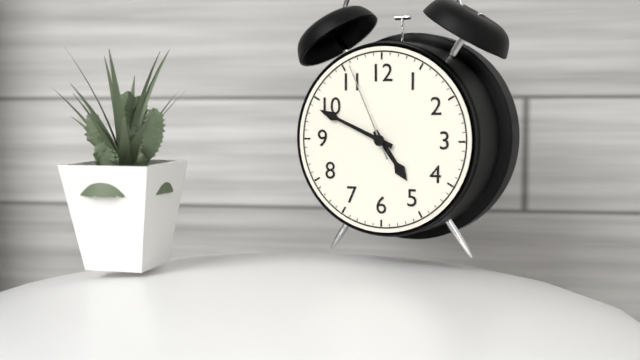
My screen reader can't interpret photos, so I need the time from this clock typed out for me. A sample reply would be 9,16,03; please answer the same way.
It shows 4,49,56
